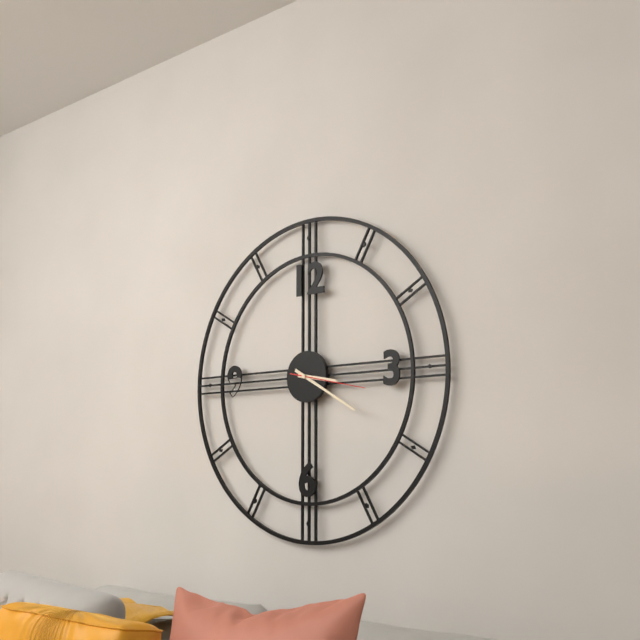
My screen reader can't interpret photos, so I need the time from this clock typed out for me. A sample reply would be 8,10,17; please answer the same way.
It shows 3,20,17
